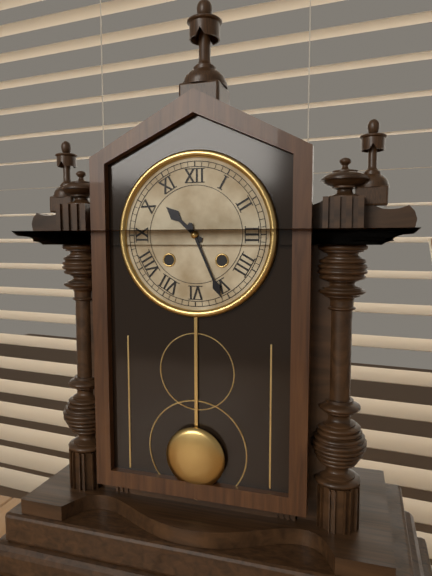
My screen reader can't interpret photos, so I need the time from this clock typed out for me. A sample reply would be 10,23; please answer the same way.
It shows 10,26
